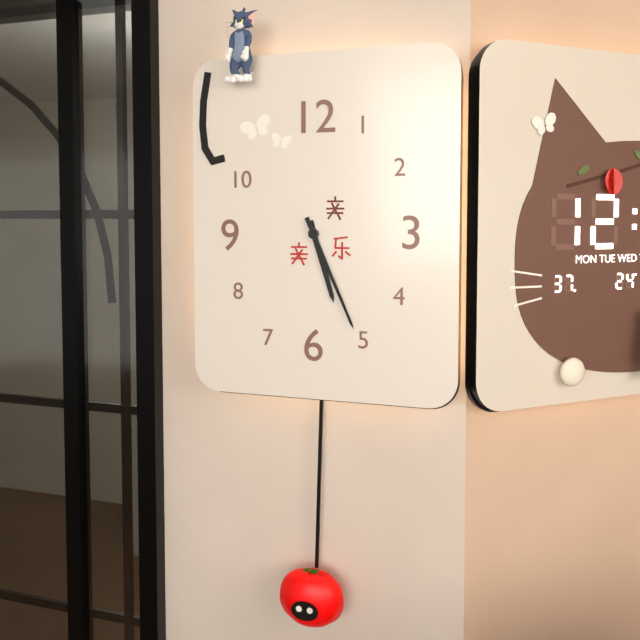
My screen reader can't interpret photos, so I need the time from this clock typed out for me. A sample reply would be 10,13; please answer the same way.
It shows 5,26
